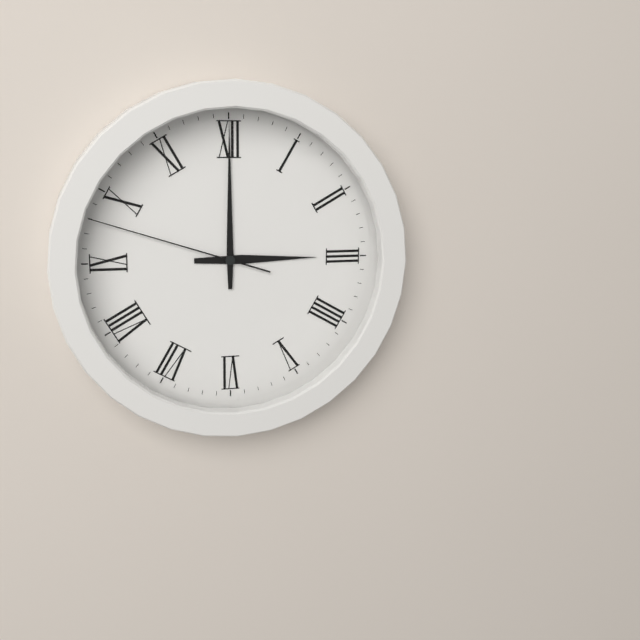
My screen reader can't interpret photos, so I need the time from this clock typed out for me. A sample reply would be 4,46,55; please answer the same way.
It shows 3,00,48
